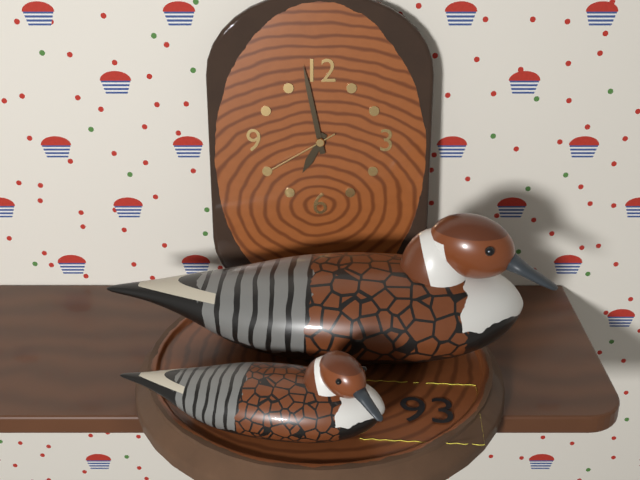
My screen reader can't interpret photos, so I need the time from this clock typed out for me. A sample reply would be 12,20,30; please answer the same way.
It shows 6,58,40
